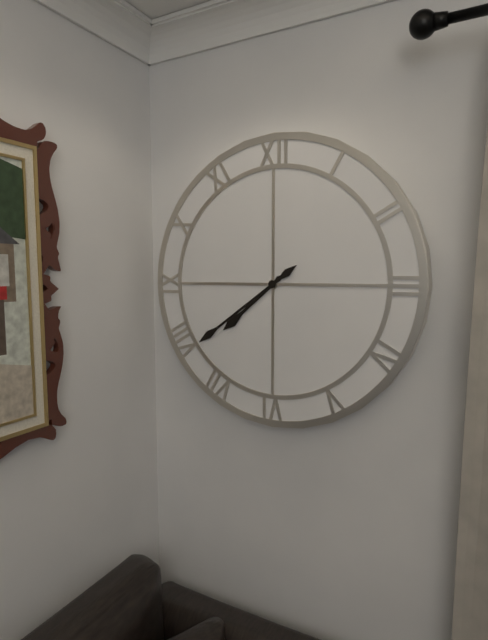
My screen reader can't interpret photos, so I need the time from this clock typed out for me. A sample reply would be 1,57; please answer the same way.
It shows 7,39
